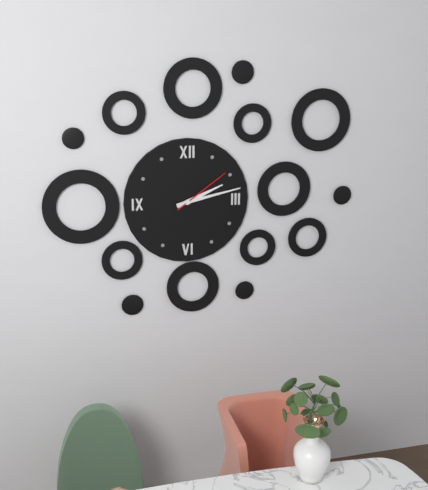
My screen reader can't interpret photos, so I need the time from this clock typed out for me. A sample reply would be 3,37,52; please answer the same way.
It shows 2,13,09
